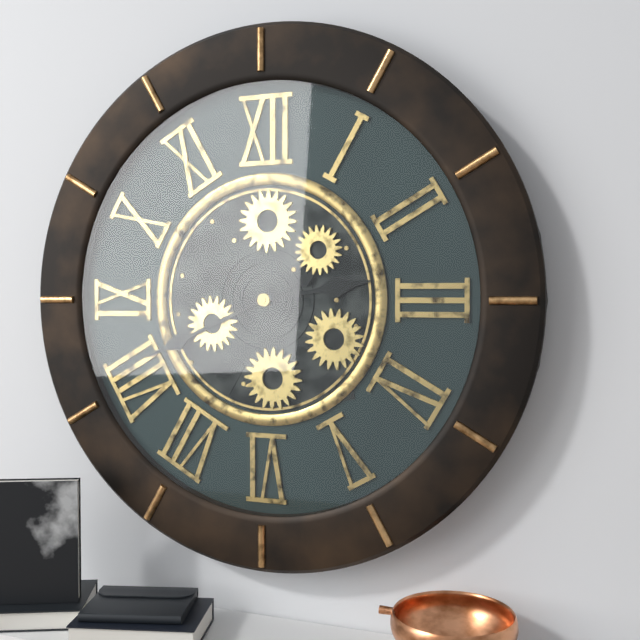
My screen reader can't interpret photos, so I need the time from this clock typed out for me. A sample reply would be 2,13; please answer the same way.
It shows 2,41
